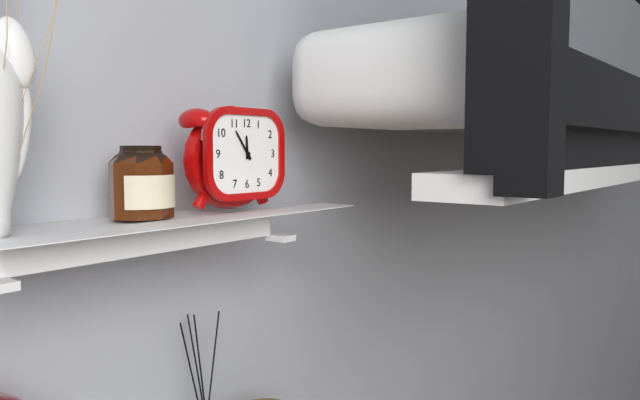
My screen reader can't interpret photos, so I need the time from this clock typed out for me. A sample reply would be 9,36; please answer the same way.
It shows 11,54
